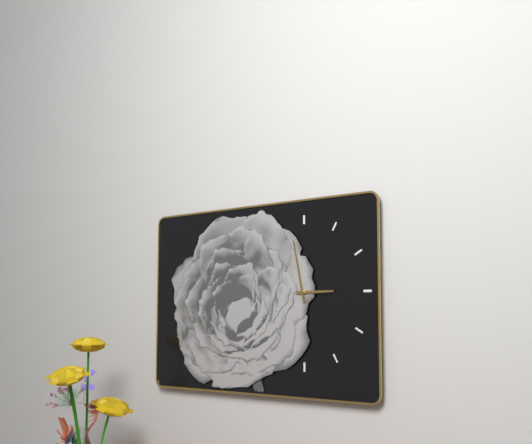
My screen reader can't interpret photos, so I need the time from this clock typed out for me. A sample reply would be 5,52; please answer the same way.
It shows 2,58
